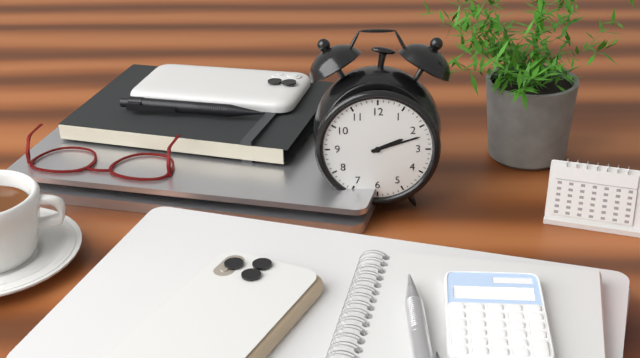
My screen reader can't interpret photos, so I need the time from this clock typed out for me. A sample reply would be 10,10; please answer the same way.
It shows 2,12
